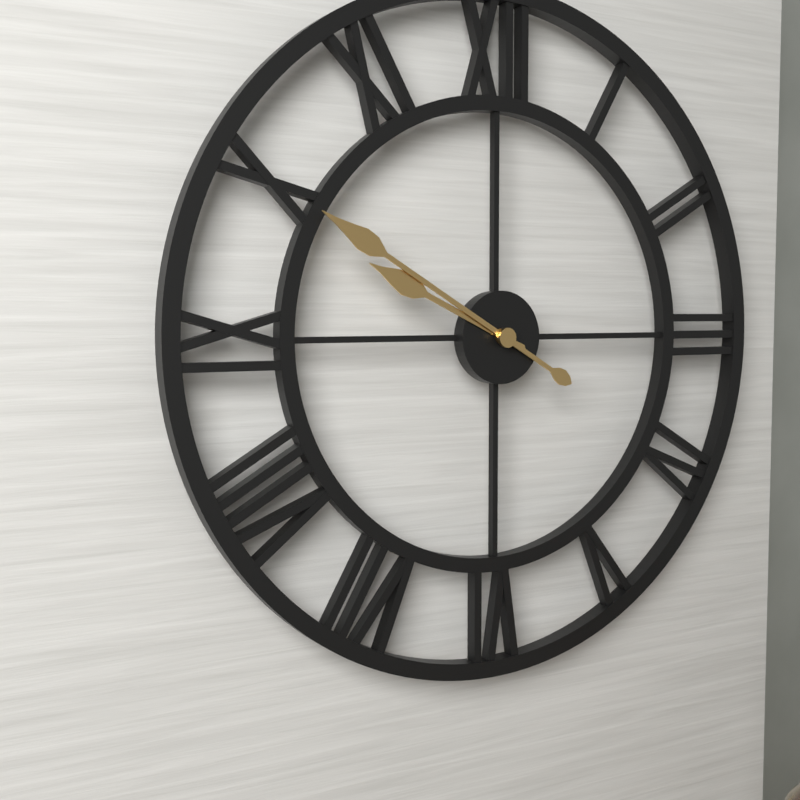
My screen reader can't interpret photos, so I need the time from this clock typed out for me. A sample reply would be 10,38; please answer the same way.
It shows 9,50
